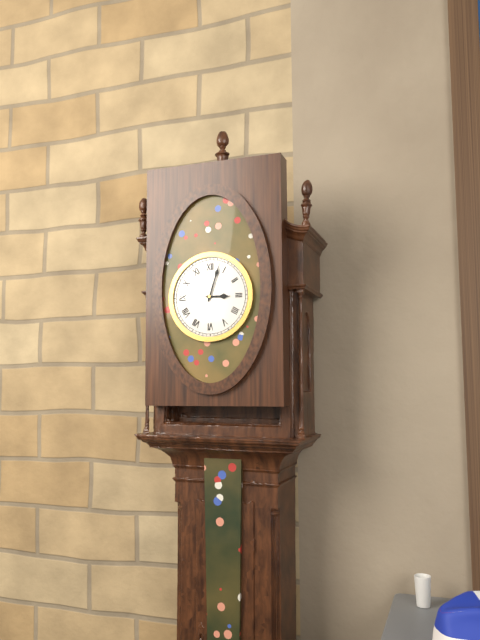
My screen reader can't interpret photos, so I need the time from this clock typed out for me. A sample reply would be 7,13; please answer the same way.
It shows 3,03
